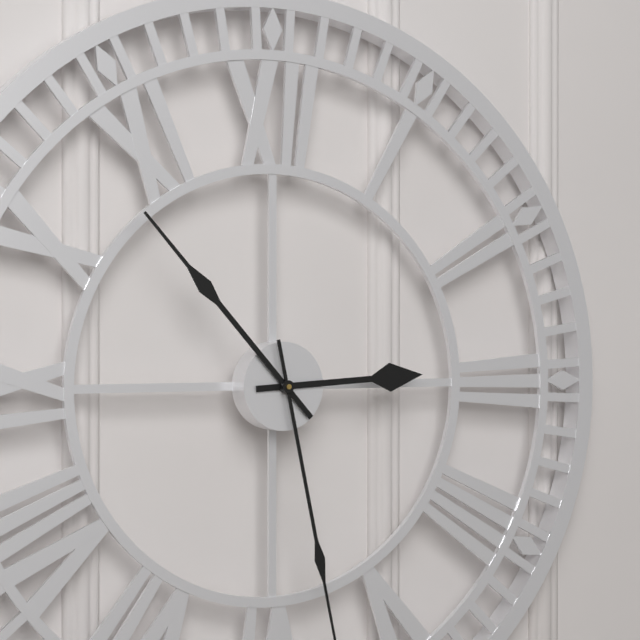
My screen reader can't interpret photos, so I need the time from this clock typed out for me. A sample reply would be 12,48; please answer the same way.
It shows 2,53
